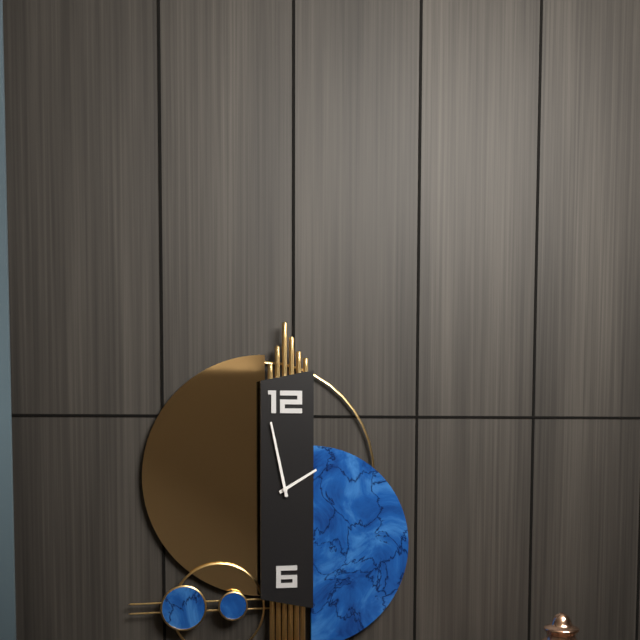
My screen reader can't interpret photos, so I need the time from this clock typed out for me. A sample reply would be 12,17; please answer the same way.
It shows 1,58
